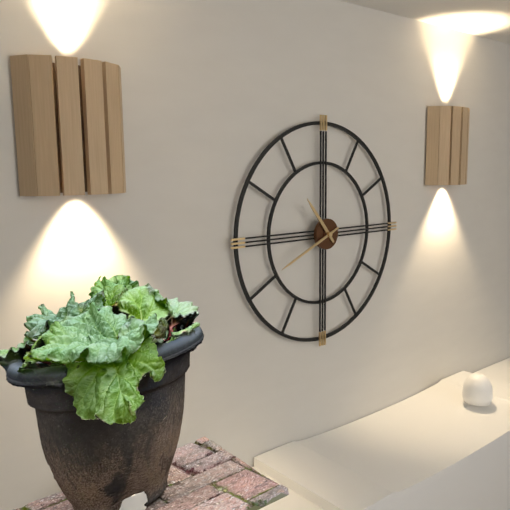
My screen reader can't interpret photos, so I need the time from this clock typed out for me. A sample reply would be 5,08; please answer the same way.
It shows 10,41
